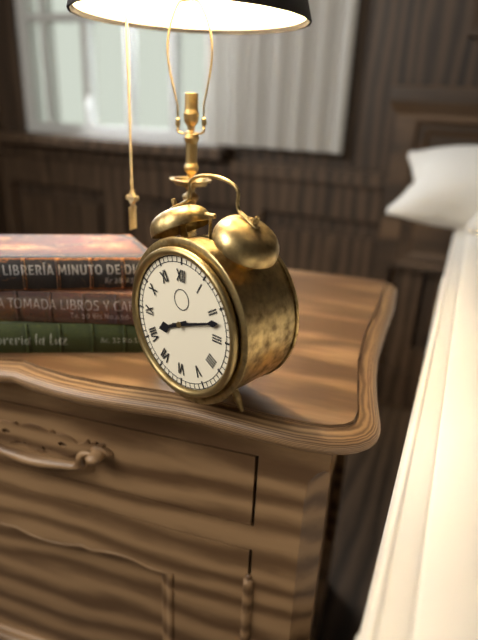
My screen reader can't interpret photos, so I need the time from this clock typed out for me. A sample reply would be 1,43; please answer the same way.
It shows 8,12
